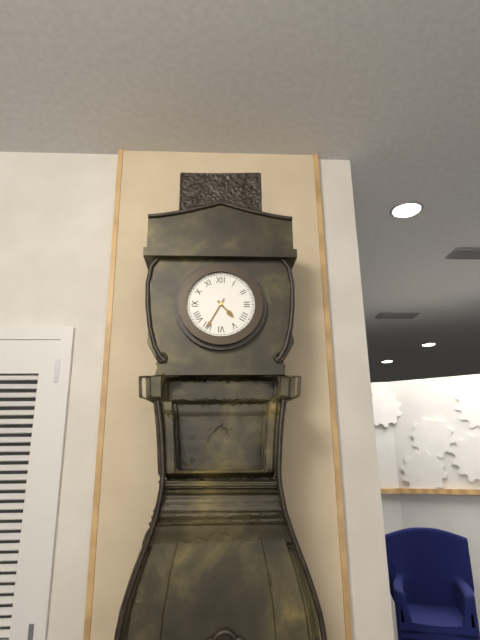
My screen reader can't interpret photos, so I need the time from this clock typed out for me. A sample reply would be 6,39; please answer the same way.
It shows 4,35
